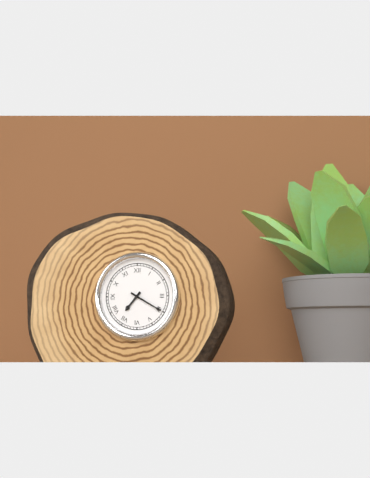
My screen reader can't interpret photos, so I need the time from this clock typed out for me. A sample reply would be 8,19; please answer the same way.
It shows 7,20
